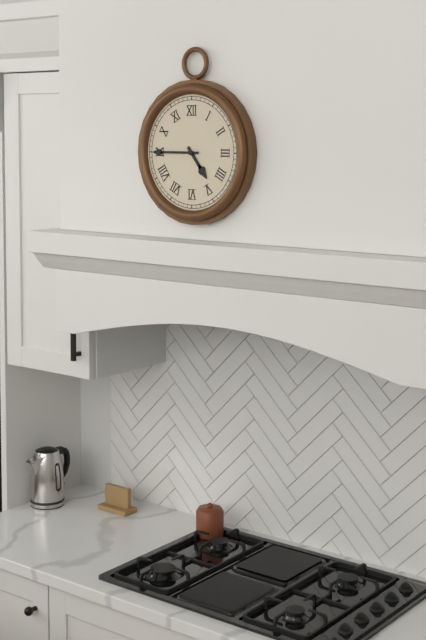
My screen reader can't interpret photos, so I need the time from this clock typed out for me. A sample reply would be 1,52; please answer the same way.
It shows 4,45
